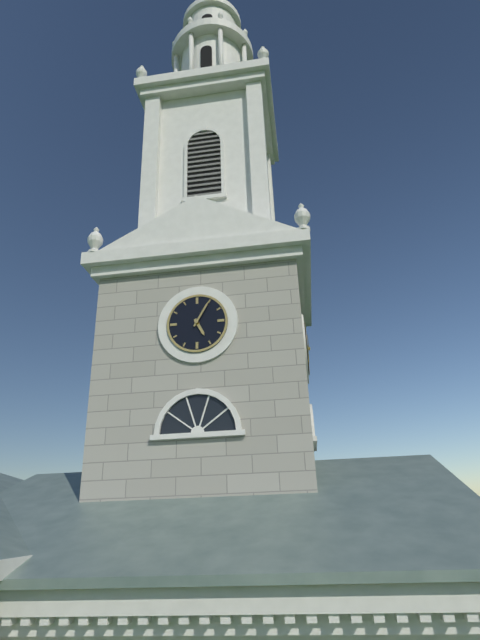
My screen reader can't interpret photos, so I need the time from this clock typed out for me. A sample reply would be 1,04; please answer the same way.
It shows 5,05
